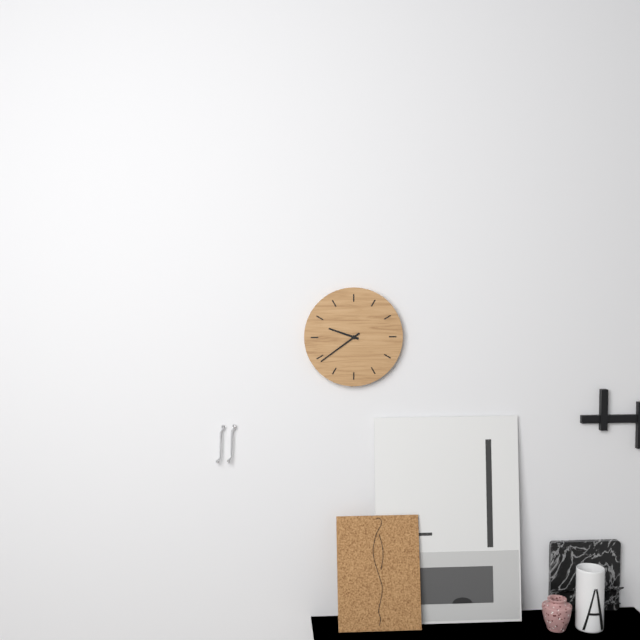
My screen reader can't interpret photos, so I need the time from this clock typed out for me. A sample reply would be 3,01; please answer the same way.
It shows 9,39
